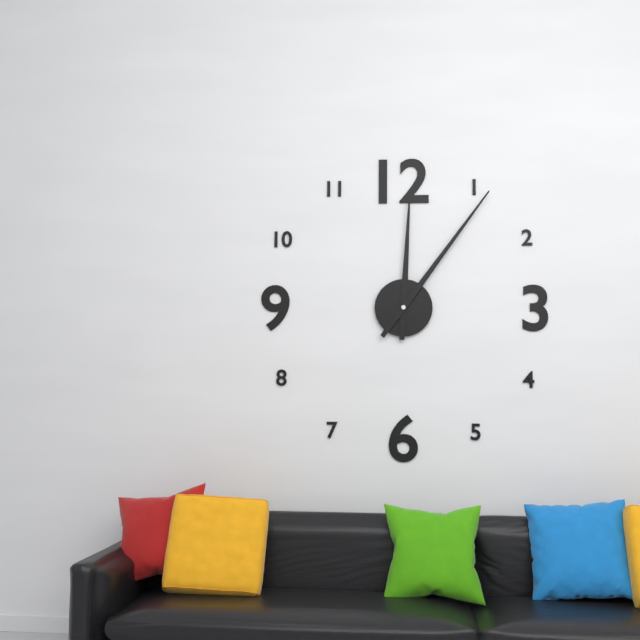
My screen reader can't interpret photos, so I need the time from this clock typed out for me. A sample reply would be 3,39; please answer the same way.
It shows 12,06
